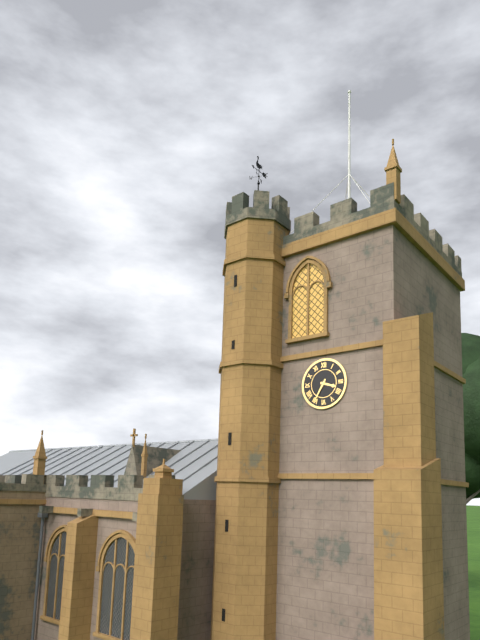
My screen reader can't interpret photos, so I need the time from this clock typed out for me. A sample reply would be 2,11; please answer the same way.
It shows 3,35
